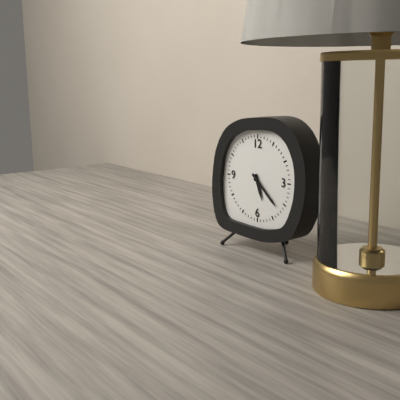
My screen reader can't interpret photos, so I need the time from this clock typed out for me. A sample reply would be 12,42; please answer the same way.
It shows 5,22
